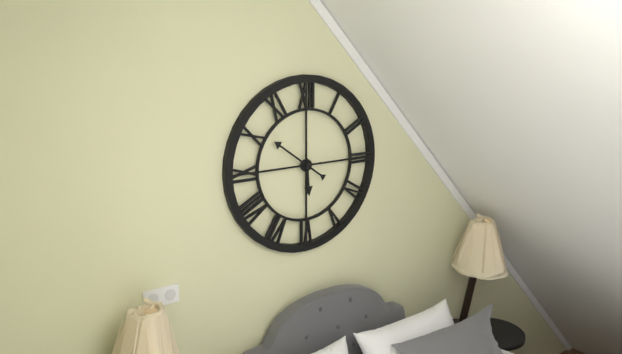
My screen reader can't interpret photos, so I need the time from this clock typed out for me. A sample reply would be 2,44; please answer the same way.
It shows 5,51
